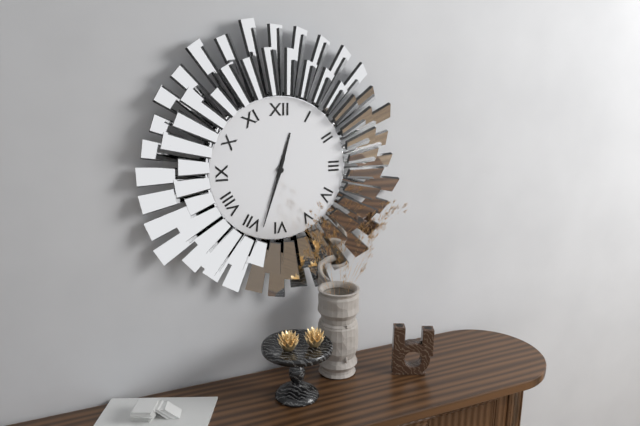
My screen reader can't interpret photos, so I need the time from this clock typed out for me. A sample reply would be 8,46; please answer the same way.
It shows 12,33
